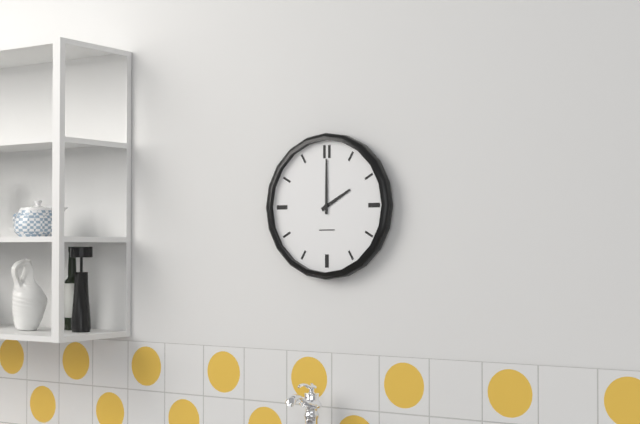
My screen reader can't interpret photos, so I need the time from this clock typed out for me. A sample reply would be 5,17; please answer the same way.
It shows 2,00
